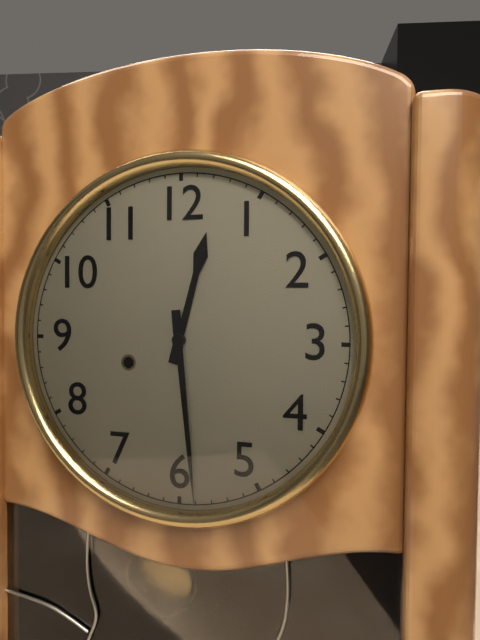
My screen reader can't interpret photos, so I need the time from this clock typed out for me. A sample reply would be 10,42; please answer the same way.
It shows 12,29
